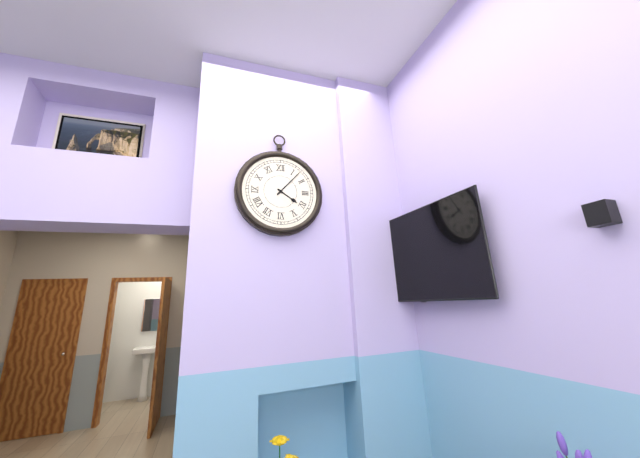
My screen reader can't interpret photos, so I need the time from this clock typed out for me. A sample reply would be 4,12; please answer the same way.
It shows 4,07
